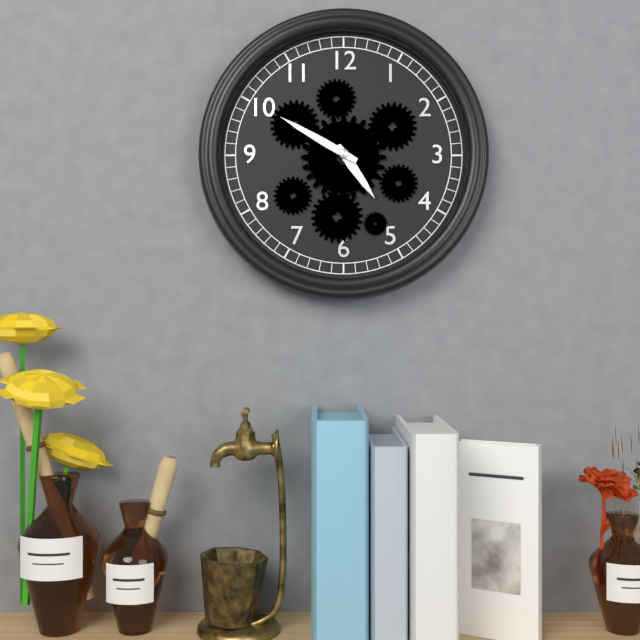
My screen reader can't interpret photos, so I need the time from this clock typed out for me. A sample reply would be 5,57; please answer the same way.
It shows 4,50
